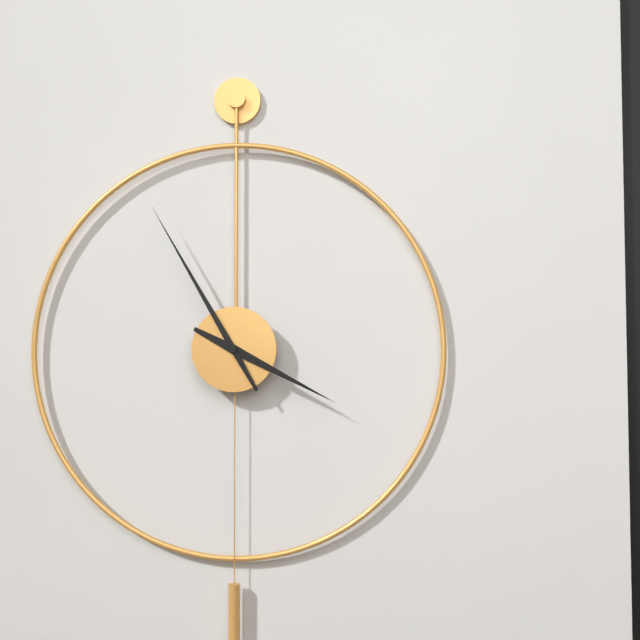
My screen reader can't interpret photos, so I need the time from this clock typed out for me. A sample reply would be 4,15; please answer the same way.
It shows 3,55
